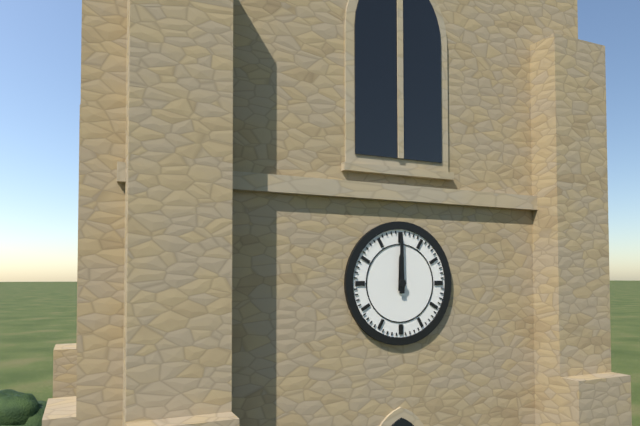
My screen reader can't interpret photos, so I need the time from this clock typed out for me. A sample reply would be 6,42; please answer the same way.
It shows 12,00
